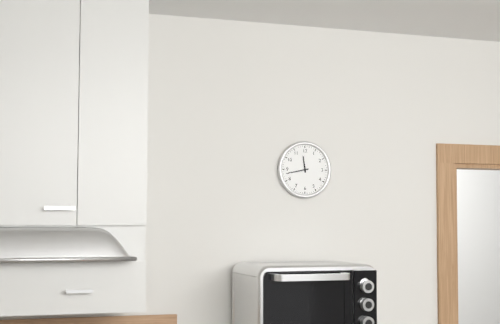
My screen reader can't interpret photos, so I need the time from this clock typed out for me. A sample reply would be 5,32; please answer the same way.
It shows 11,43
